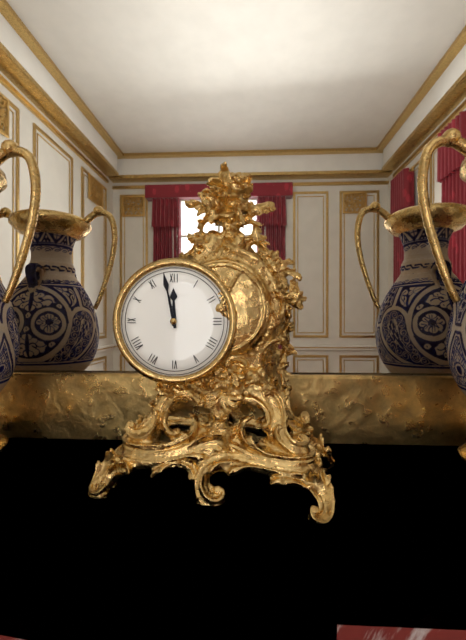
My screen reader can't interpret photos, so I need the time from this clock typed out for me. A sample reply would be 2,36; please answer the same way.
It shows 11,58
